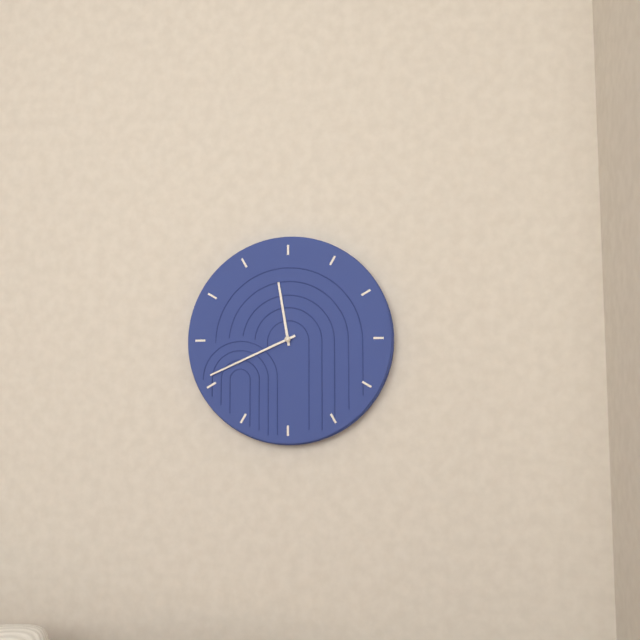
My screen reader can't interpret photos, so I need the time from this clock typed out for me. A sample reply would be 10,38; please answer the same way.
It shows 11,41
